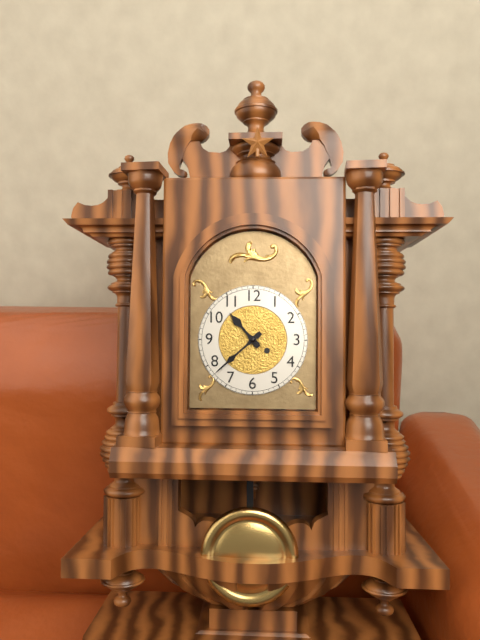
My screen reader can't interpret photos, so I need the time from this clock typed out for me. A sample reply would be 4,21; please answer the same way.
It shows 10,38
